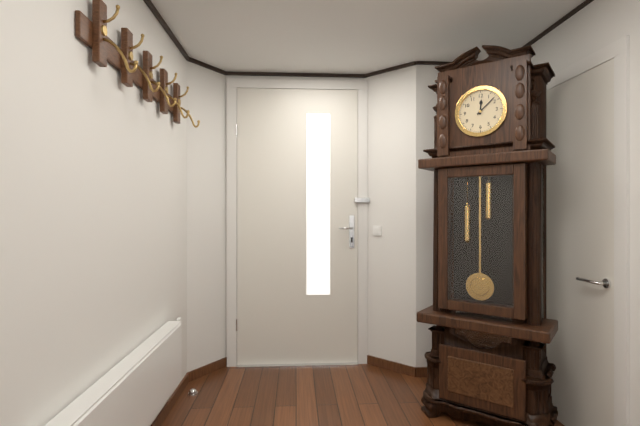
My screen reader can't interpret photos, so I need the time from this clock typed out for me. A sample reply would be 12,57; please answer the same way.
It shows 12,08
